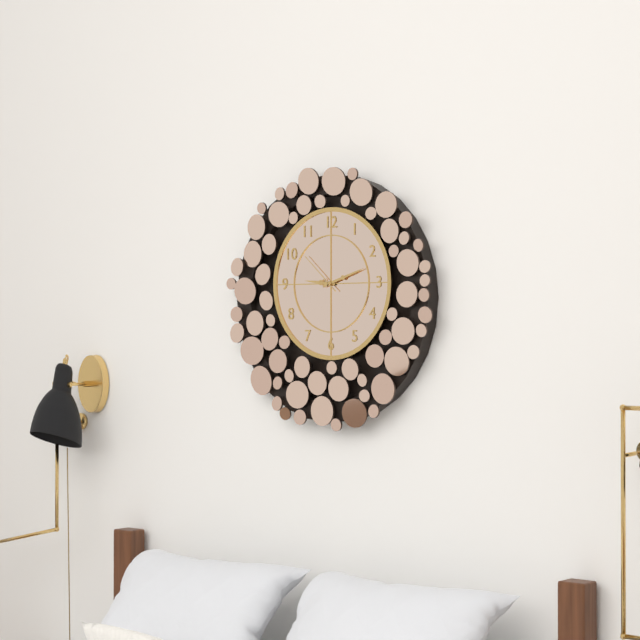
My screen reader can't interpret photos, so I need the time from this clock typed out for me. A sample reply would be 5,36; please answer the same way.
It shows 9,12
